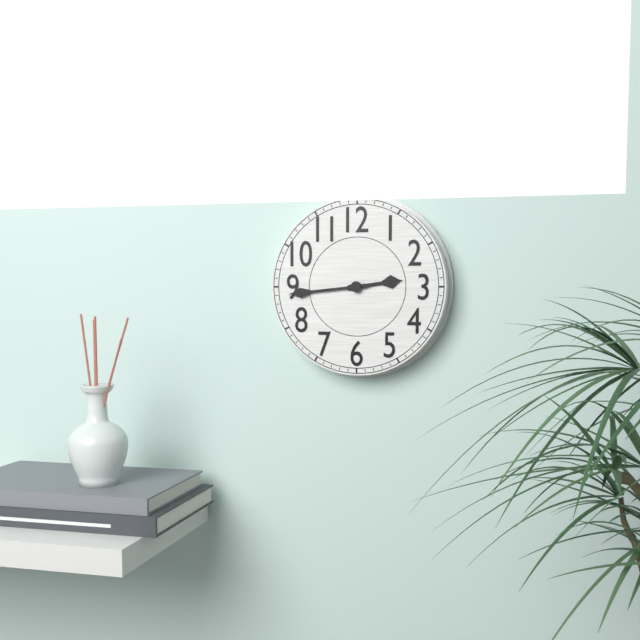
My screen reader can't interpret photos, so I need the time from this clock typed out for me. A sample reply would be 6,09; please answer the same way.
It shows 2,44
